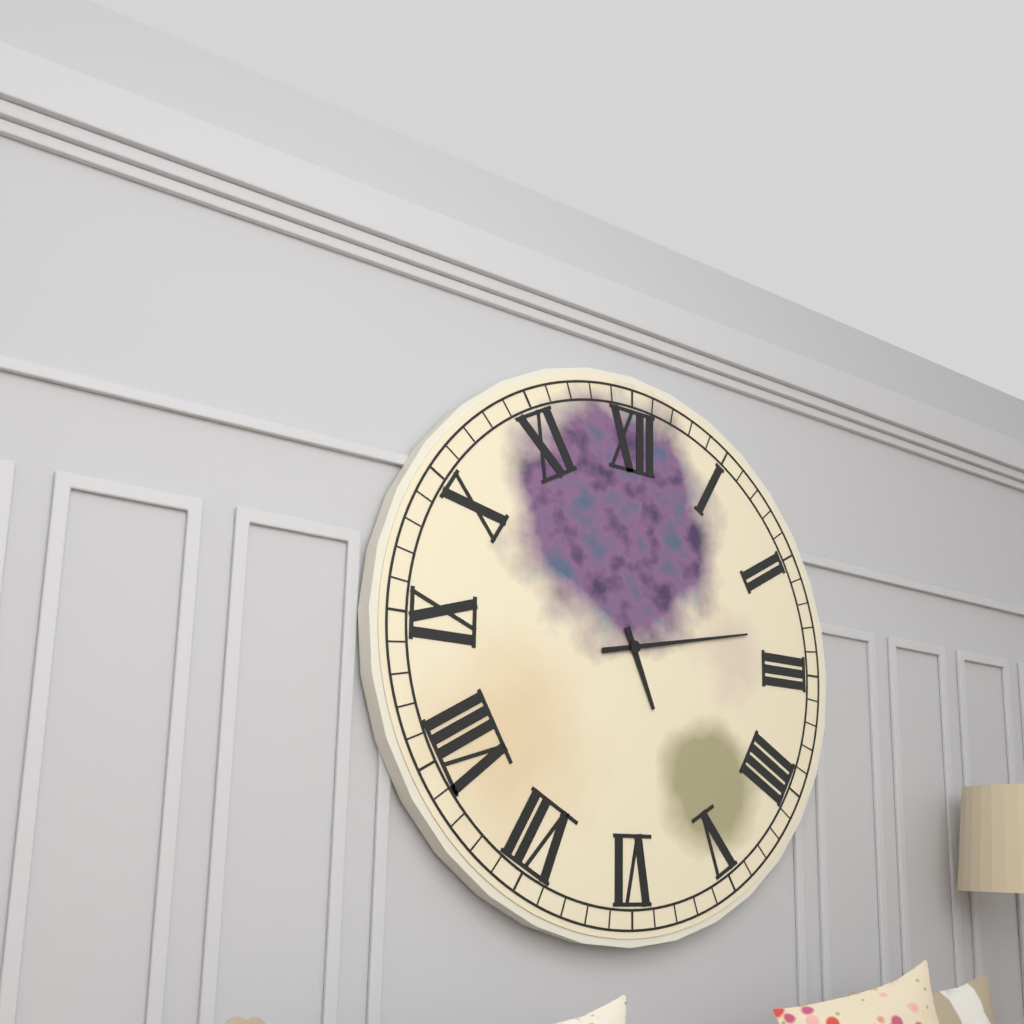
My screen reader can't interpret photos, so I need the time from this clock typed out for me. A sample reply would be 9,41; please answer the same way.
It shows 5,13
